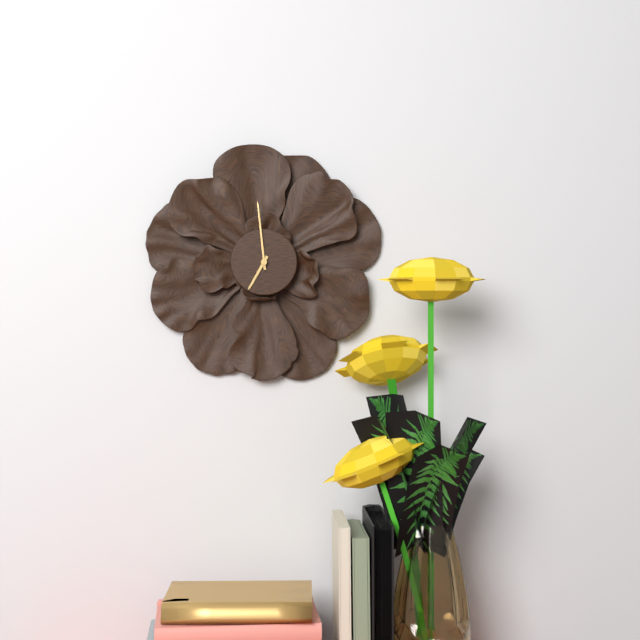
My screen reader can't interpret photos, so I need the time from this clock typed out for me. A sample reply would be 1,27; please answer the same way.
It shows 6,59
